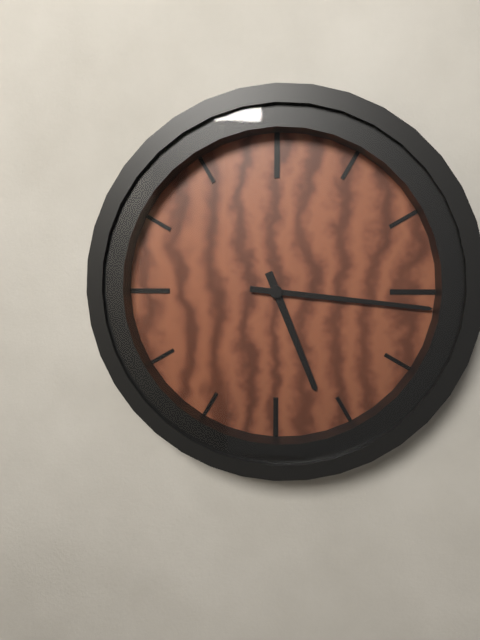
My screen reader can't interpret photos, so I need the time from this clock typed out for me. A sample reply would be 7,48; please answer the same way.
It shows 5,16
